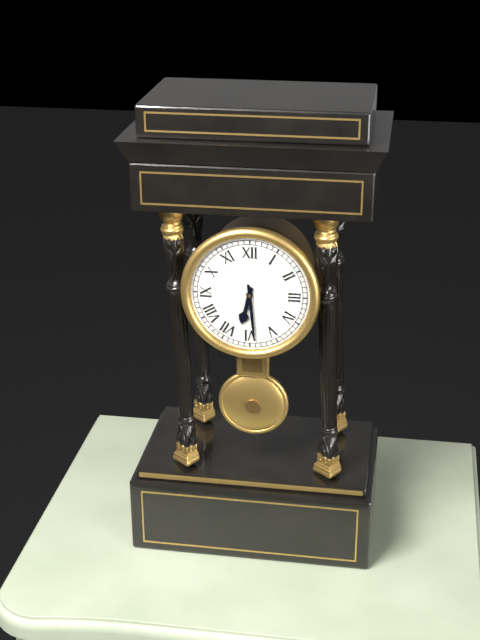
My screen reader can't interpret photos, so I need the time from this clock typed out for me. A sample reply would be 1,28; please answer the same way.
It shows 6,29
